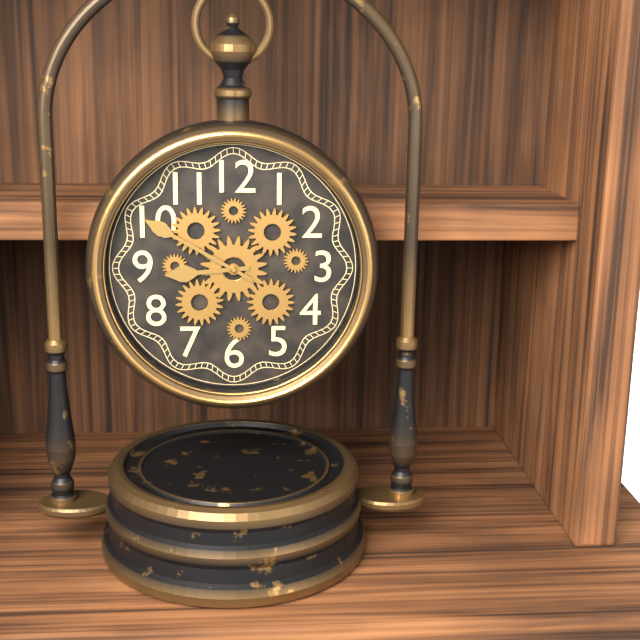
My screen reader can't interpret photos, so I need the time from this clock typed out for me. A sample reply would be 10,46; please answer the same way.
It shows 8,50
